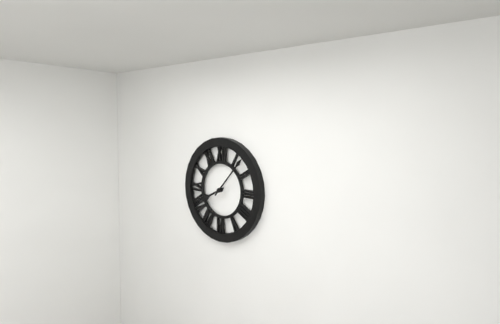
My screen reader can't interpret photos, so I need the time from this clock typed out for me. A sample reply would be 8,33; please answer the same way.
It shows 8,07
